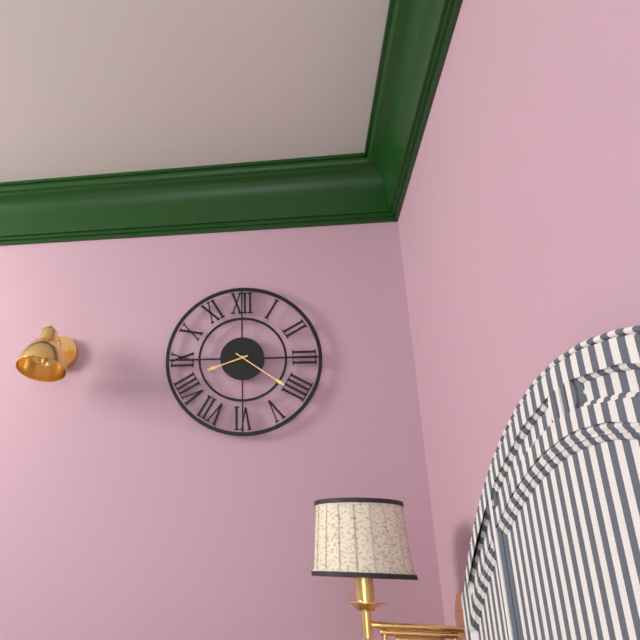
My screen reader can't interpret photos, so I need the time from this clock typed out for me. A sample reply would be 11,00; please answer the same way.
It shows 8,21
